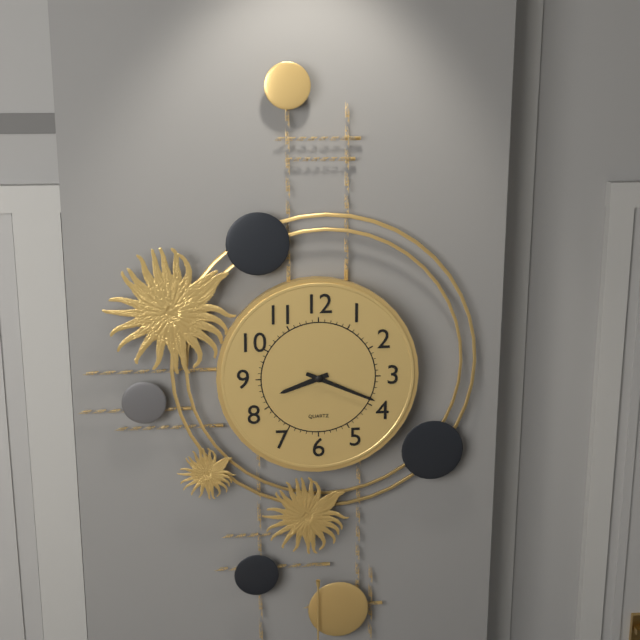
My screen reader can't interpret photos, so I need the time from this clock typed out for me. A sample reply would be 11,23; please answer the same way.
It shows 8,19
